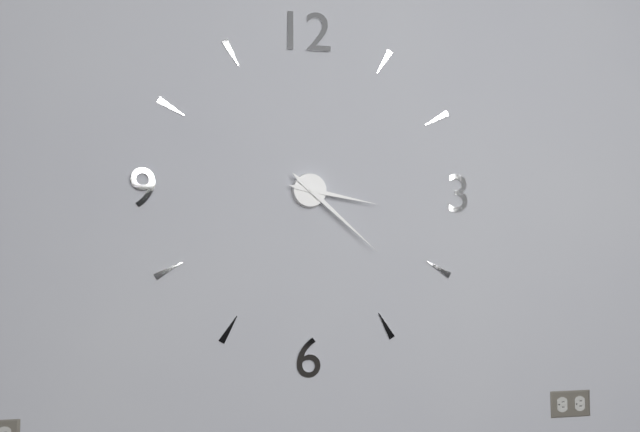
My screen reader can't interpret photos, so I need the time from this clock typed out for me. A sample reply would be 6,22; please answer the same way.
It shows 3,22
